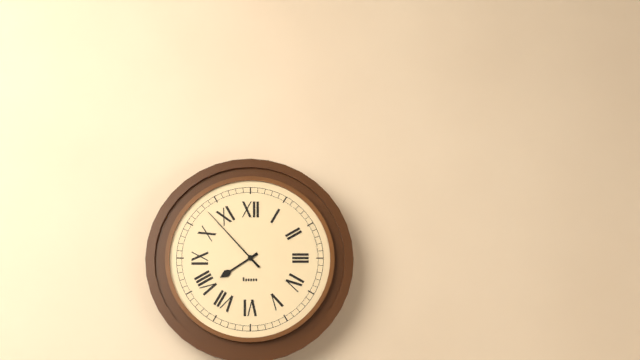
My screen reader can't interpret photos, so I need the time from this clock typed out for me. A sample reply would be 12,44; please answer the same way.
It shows 7,53
